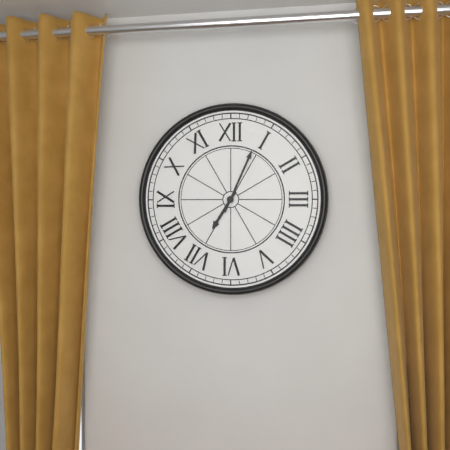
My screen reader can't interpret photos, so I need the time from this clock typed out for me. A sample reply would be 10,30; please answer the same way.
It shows 7,04
